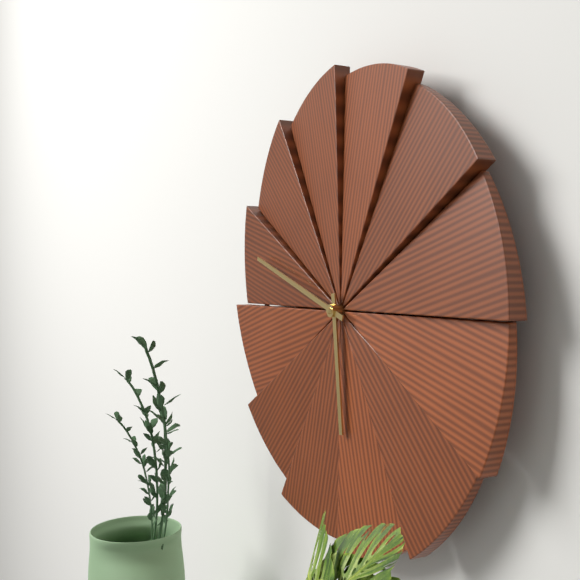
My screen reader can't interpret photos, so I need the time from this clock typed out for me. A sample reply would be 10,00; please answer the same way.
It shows 5,48
